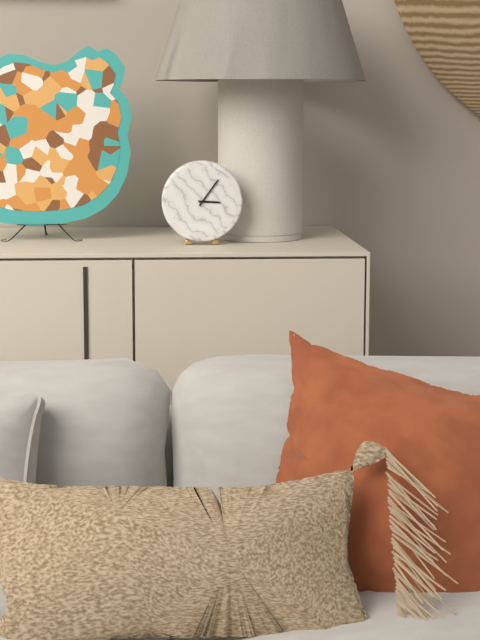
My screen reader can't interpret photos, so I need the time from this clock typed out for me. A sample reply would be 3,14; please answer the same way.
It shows 3,06
